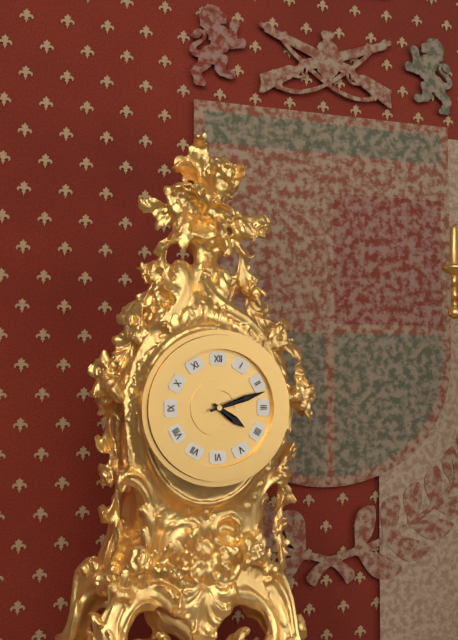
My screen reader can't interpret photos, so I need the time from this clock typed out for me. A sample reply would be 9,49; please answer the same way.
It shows 4,12
